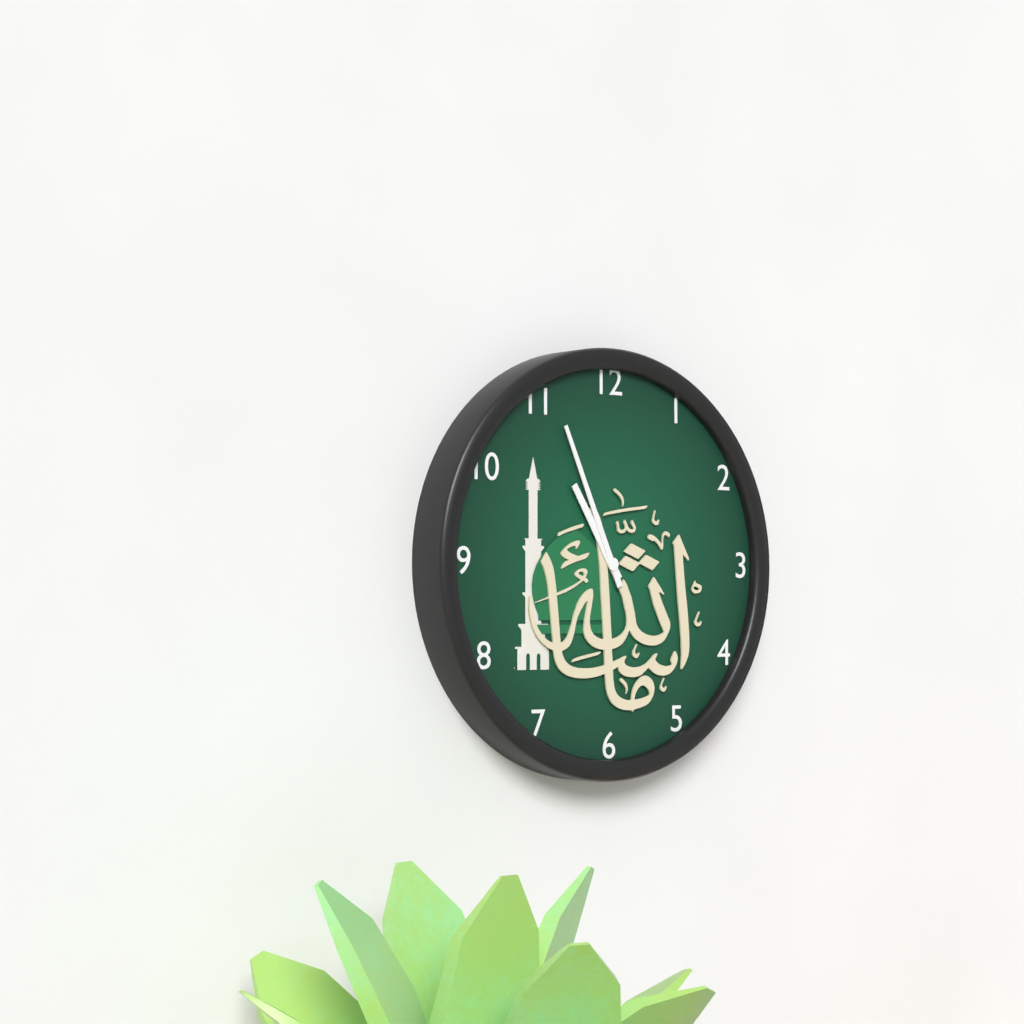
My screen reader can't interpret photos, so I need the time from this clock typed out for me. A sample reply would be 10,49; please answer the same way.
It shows 10,56
